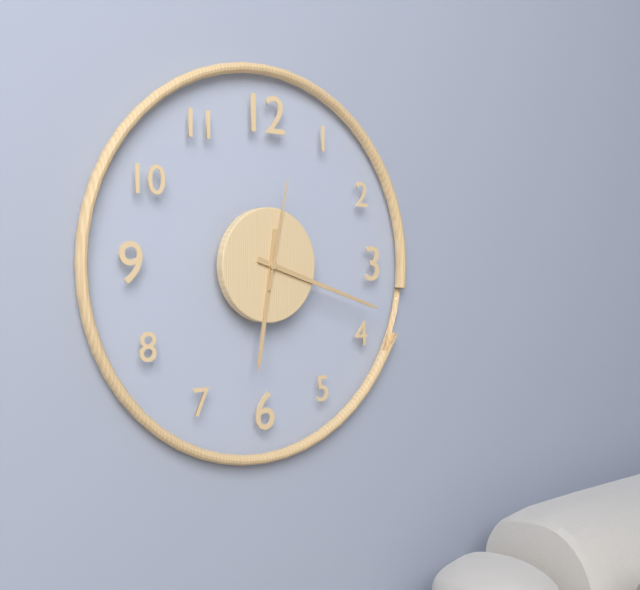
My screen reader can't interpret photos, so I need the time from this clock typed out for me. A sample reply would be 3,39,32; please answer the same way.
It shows 6,18,02
